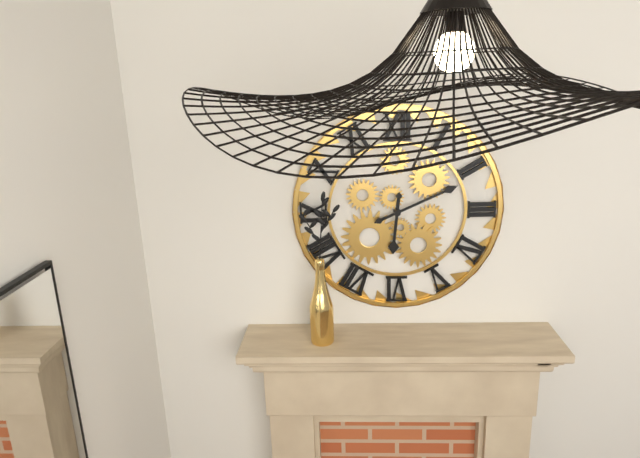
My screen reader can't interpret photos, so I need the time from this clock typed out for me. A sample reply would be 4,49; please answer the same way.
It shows 6,11
